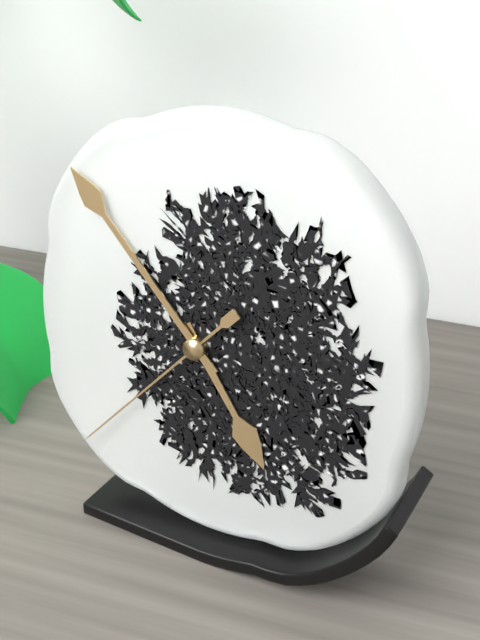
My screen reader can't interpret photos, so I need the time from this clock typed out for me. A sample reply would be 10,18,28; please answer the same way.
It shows 4,53,37
